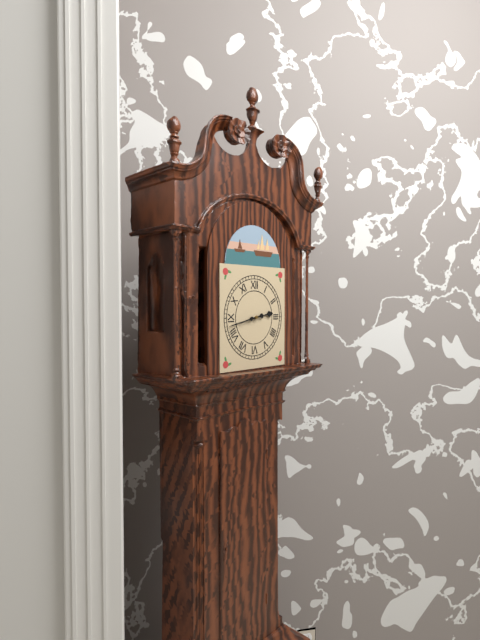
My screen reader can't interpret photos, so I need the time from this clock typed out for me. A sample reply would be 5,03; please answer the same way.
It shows 2,43
